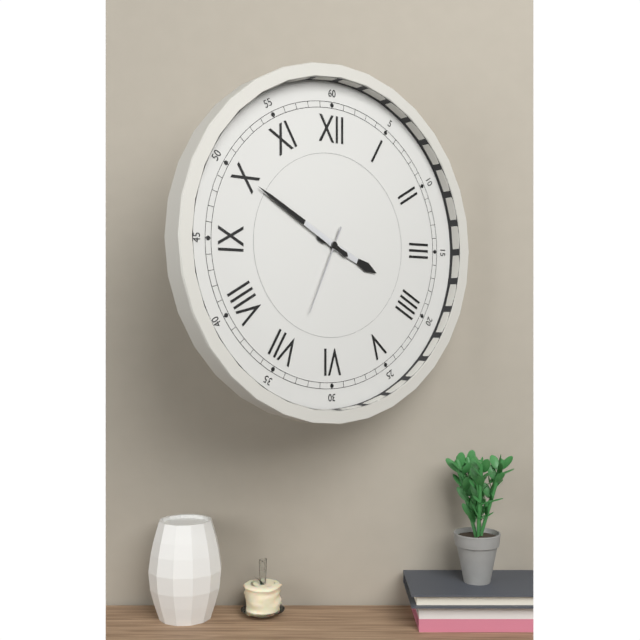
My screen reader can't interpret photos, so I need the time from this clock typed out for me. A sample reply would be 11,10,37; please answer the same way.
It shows 3,50,34
